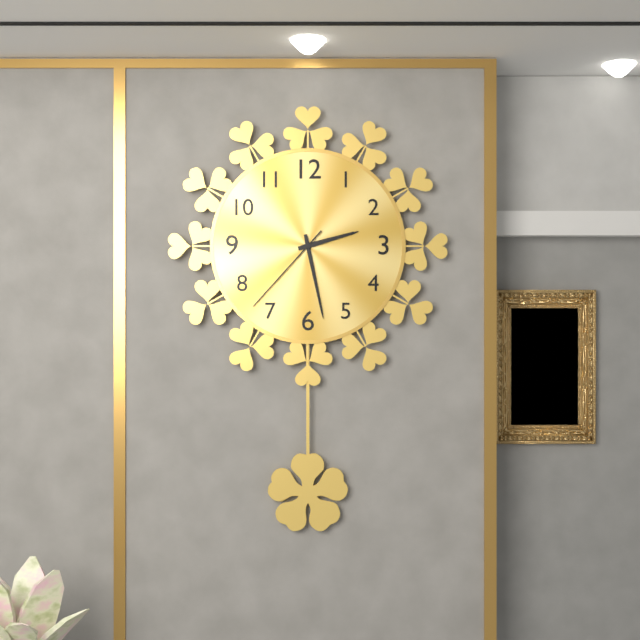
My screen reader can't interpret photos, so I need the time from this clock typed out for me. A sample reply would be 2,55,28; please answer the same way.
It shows 2,28,37
